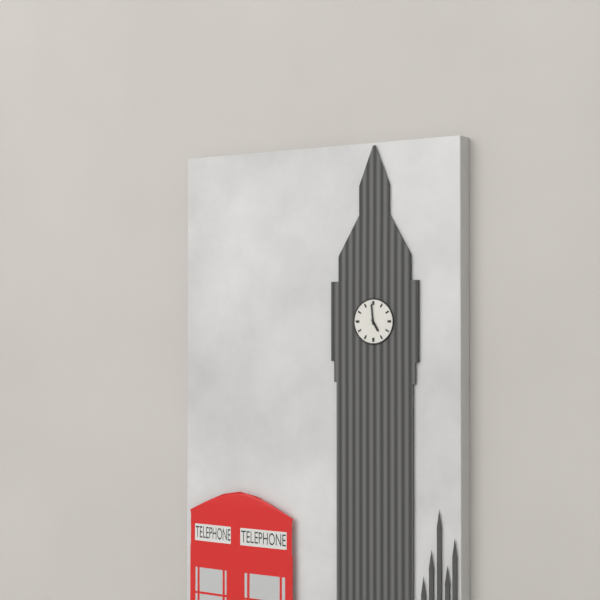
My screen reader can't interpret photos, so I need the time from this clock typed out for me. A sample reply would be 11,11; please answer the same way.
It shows 4,59
